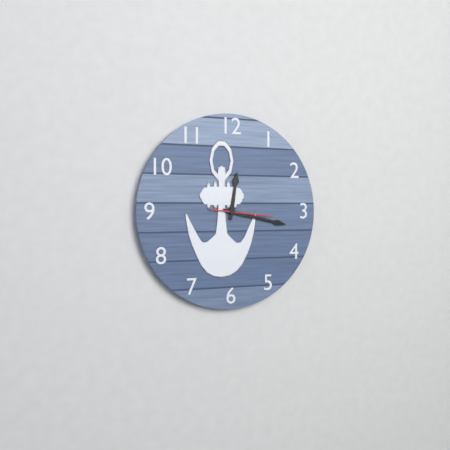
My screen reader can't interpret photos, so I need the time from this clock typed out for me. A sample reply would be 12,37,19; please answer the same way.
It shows 12,17,16
